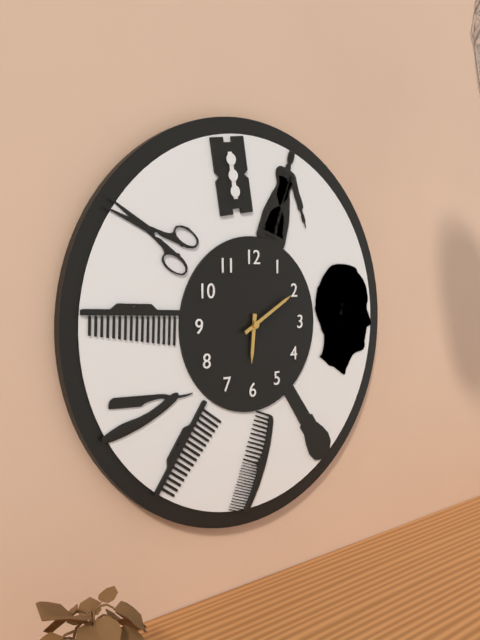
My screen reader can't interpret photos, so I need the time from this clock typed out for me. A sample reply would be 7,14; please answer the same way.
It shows 6,10
